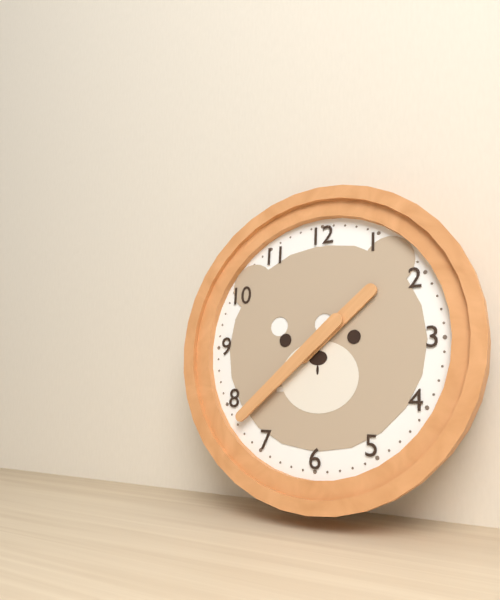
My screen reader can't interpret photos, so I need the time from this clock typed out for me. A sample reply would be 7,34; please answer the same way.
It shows 1,38
